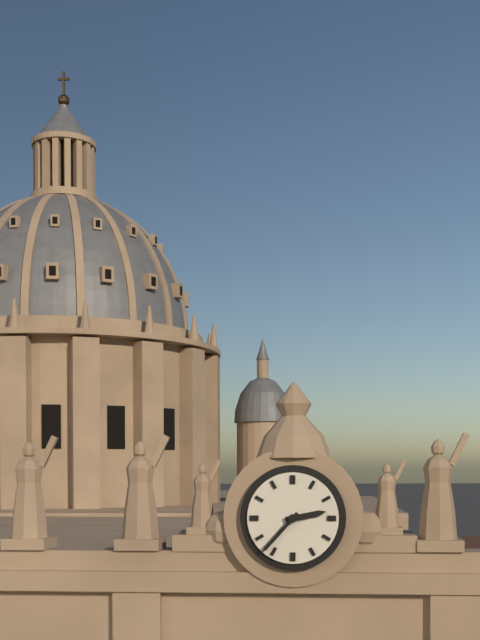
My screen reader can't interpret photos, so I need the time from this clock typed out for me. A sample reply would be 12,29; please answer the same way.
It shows 2,37
